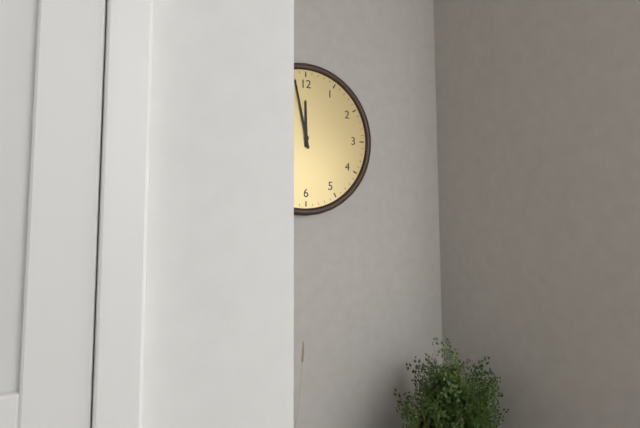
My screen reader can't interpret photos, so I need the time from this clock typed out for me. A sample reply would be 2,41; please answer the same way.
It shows 11,58
